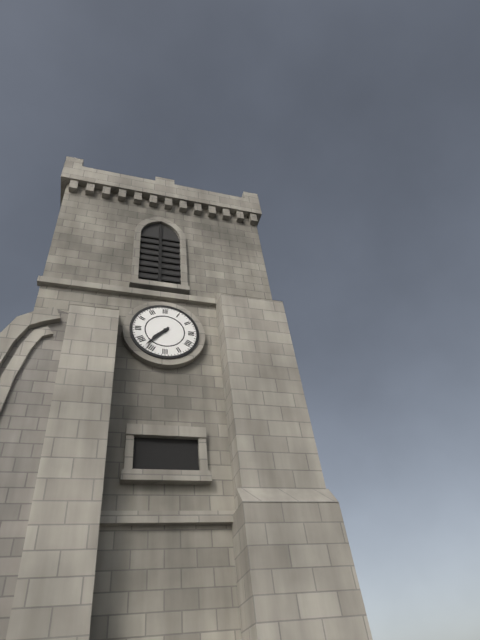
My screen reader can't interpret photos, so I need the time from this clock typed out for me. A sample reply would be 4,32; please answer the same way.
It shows 7,37
